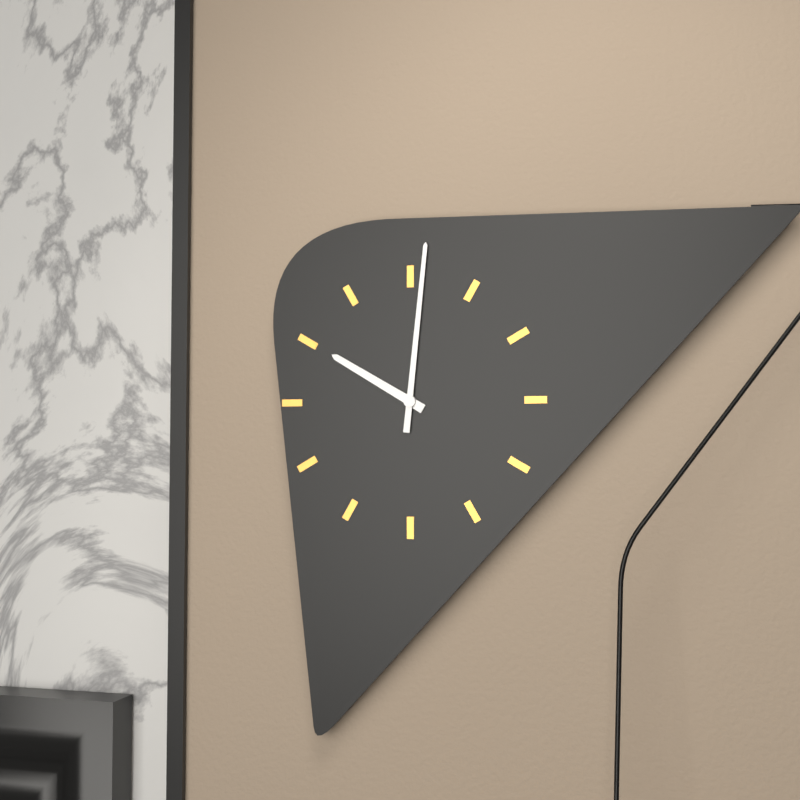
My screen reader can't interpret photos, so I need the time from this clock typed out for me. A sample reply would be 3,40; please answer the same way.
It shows 10,01
